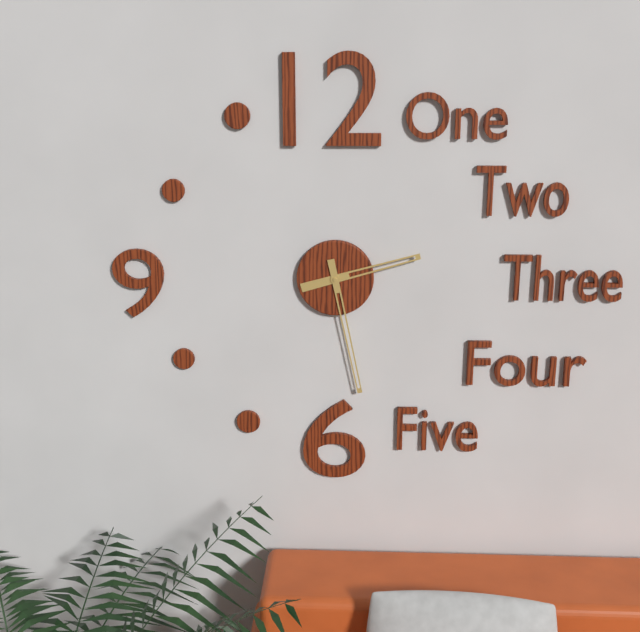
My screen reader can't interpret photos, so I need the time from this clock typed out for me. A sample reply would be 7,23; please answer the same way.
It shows 2,28
